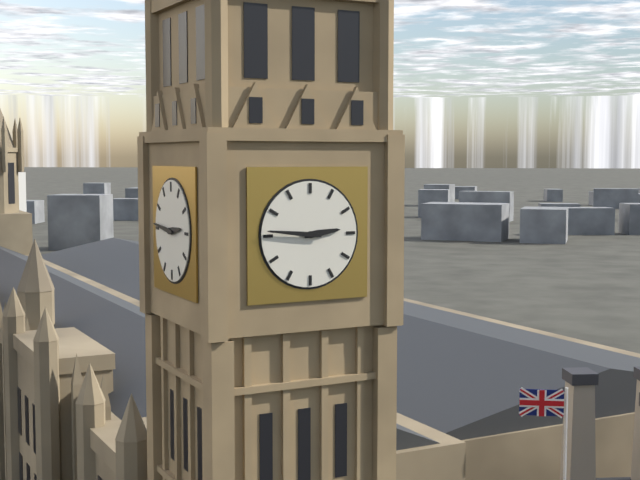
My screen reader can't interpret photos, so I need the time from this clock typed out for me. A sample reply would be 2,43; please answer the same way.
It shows 2,46
